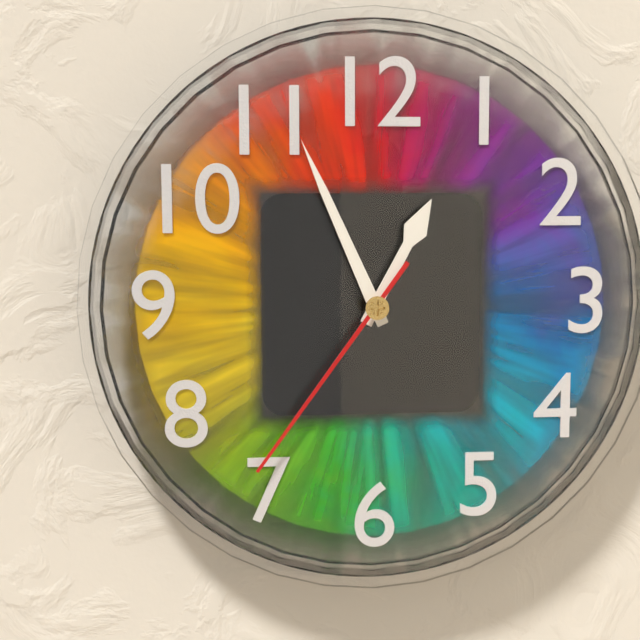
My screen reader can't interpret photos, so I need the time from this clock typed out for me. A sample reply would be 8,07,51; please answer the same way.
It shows 12,56,36
